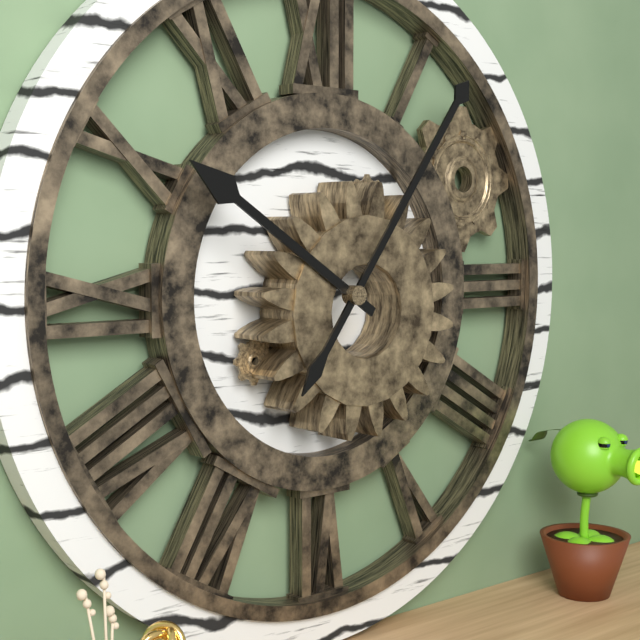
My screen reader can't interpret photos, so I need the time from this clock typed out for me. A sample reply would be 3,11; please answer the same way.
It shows 10,06
